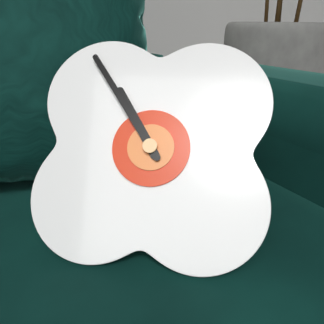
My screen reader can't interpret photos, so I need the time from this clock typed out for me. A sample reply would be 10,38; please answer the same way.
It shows 10,54
